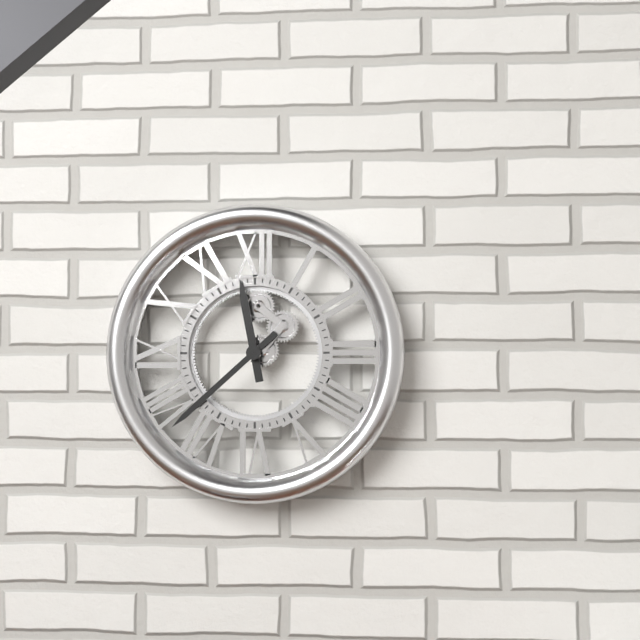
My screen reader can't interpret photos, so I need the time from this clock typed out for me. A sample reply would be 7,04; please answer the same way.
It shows 11,38
